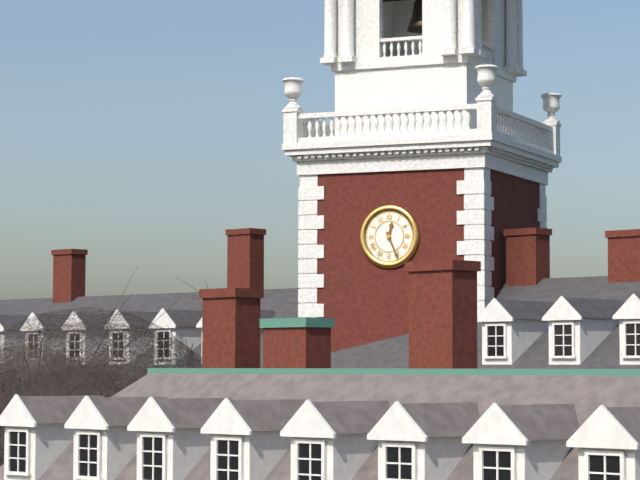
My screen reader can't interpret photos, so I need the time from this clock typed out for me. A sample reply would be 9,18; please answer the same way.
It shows 12,26
